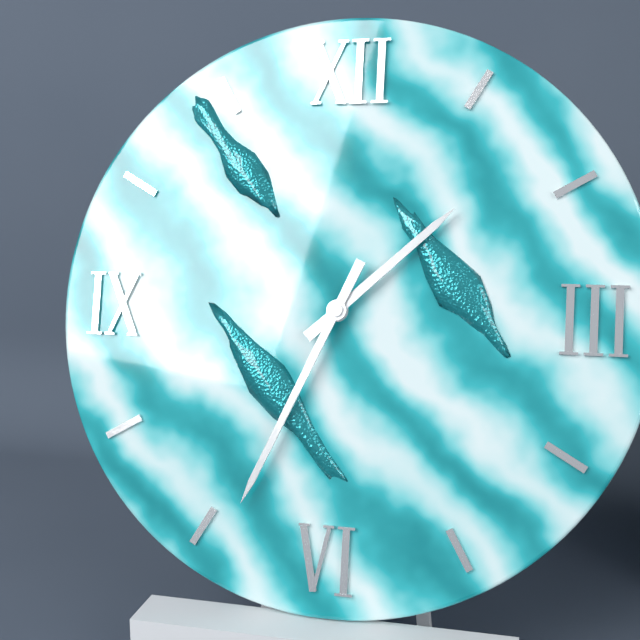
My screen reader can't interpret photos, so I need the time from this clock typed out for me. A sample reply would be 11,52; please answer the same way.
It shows 1,34
